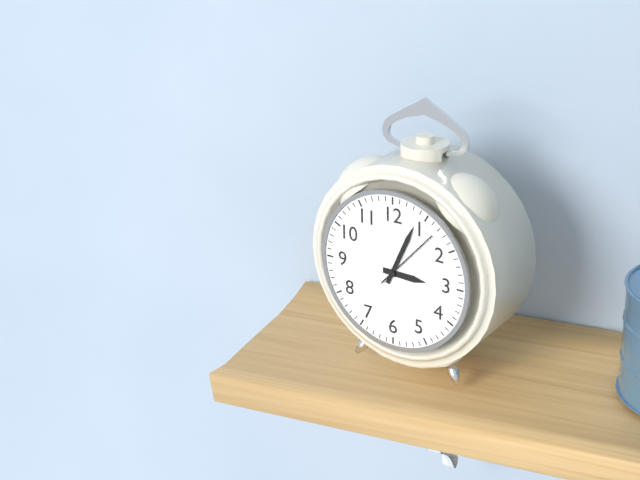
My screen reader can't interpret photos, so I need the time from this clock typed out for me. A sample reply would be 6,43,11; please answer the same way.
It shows 3,04,07
